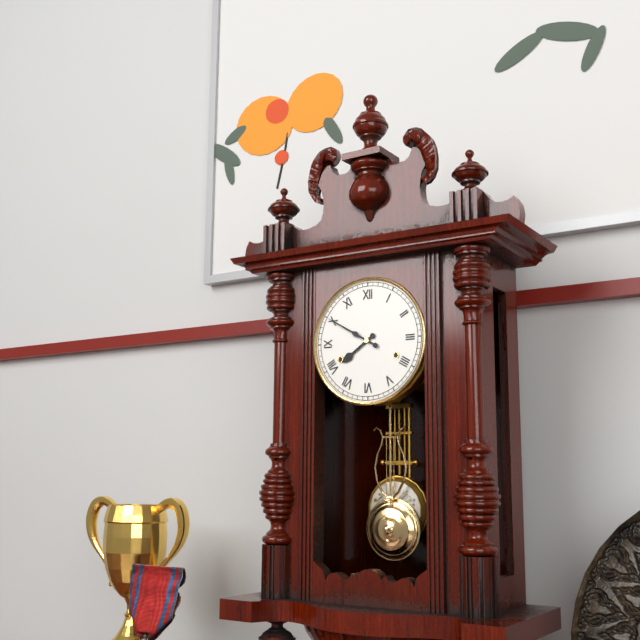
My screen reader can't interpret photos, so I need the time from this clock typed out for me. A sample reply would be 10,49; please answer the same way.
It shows 7,50
